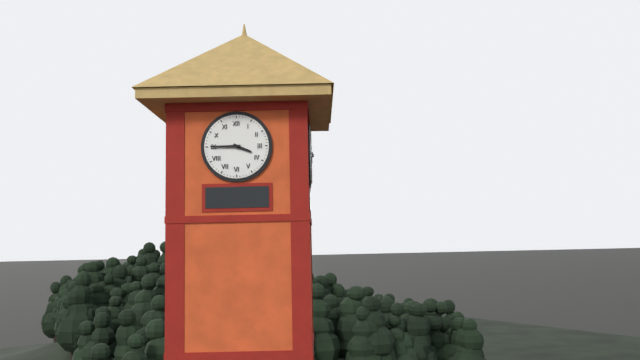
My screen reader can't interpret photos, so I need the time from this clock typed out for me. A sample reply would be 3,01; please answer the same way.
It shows 3,45
